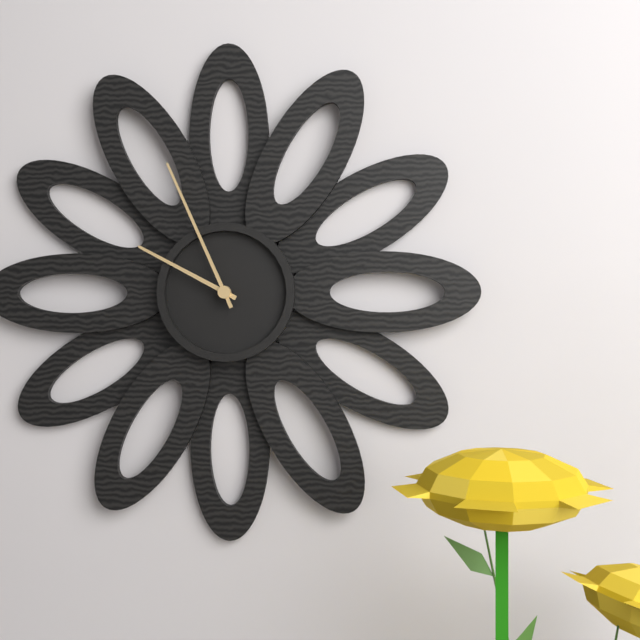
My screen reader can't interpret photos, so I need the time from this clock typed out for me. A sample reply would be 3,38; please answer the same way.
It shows 9,56
